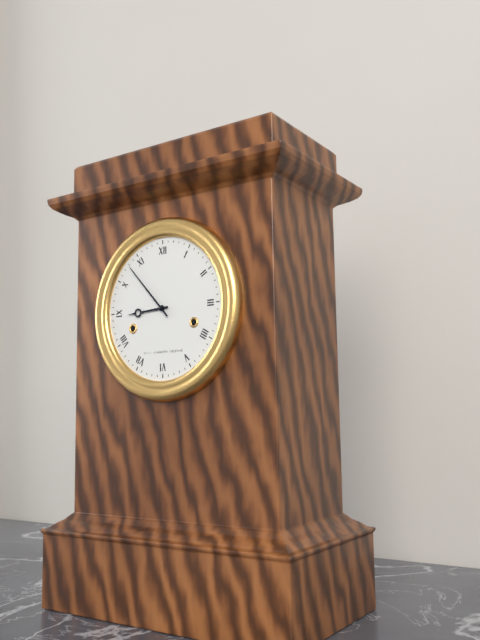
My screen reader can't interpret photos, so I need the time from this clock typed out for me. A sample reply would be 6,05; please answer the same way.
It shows 8,53
